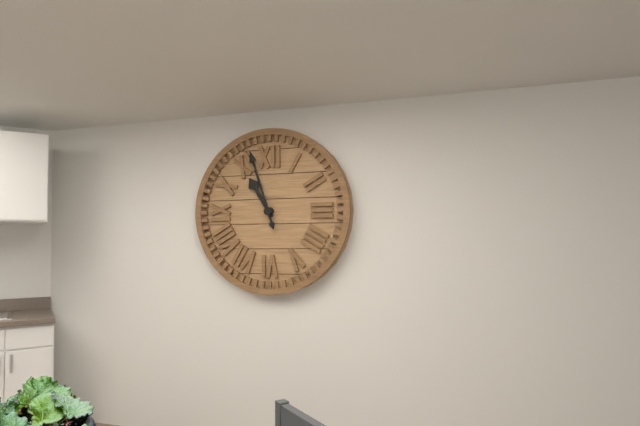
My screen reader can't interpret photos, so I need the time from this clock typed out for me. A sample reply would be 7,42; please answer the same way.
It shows 10,57
